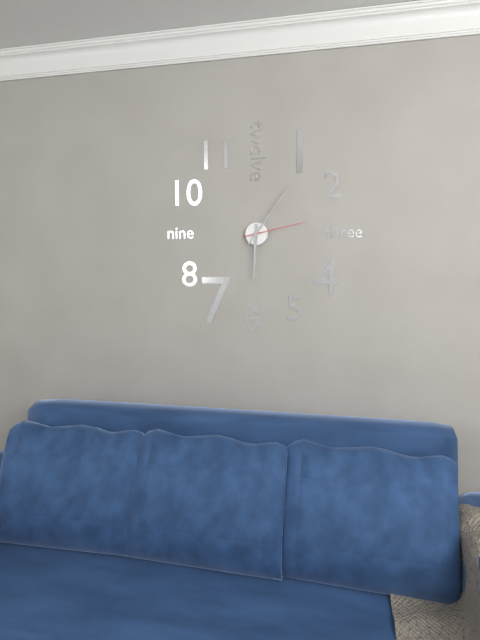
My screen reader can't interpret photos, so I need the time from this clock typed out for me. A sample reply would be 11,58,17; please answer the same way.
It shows 6,06,13
